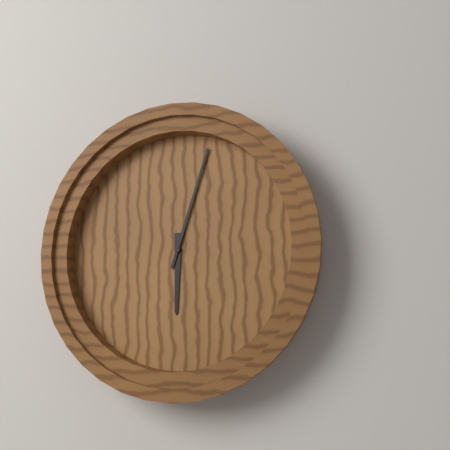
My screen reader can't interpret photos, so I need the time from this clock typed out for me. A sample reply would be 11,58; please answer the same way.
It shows 6,03
